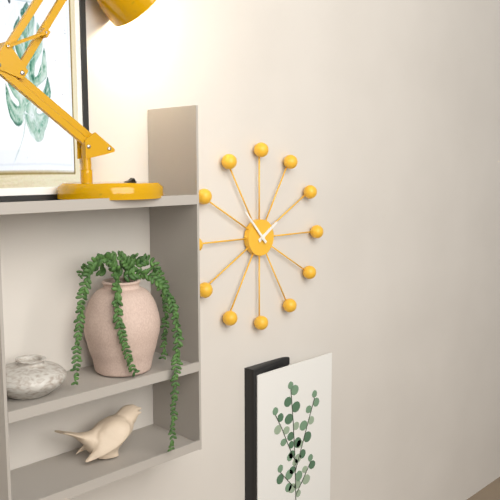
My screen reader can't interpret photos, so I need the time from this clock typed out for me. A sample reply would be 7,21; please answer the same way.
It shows 1,53
